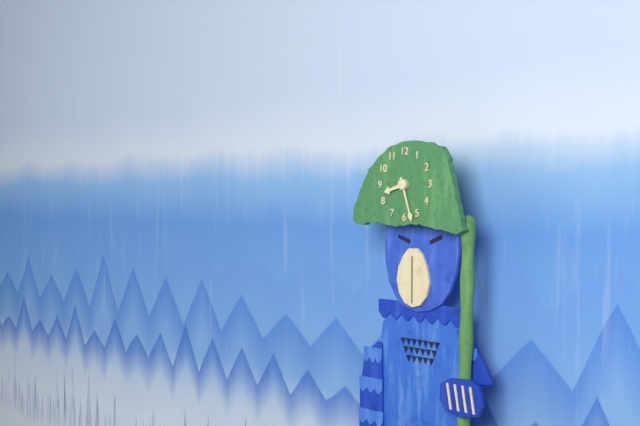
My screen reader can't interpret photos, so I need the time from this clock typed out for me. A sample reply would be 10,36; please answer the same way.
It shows 8,27
